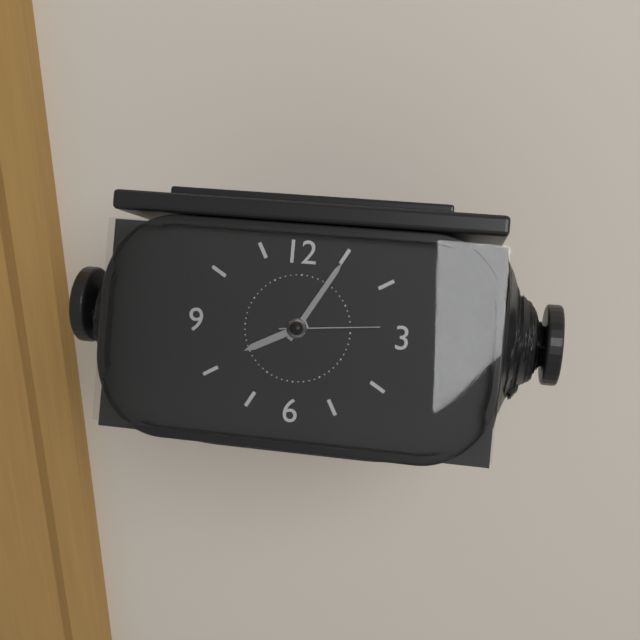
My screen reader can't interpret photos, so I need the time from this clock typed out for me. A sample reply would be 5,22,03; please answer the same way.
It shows 8,05,14
